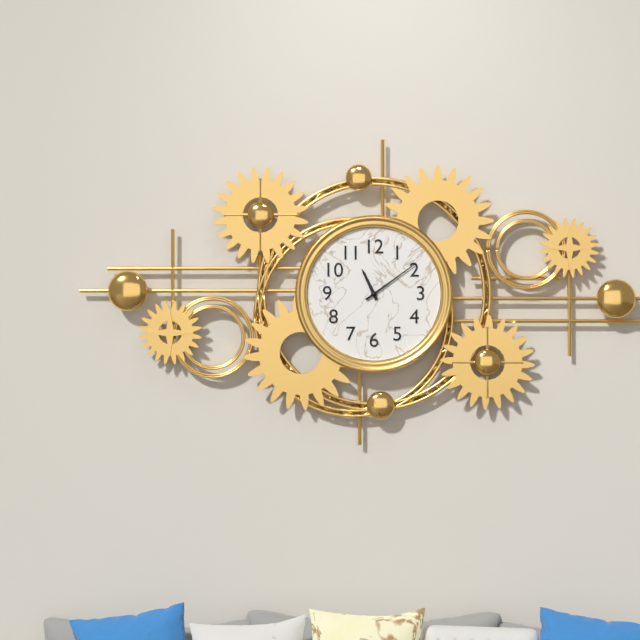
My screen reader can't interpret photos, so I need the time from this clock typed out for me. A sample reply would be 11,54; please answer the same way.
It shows 11,09
